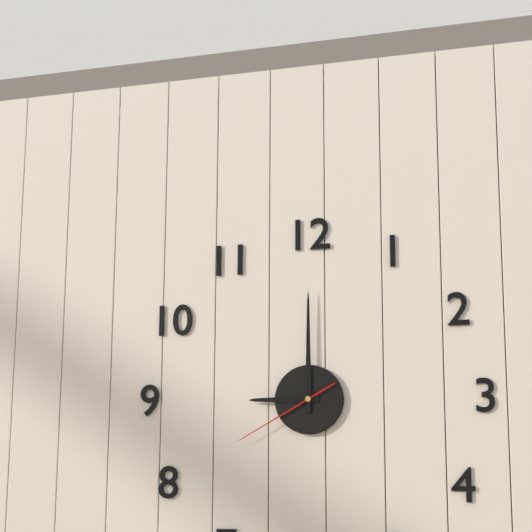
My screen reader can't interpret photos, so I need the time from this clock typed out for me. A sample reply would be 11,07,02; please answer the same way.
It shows 9,00,40
